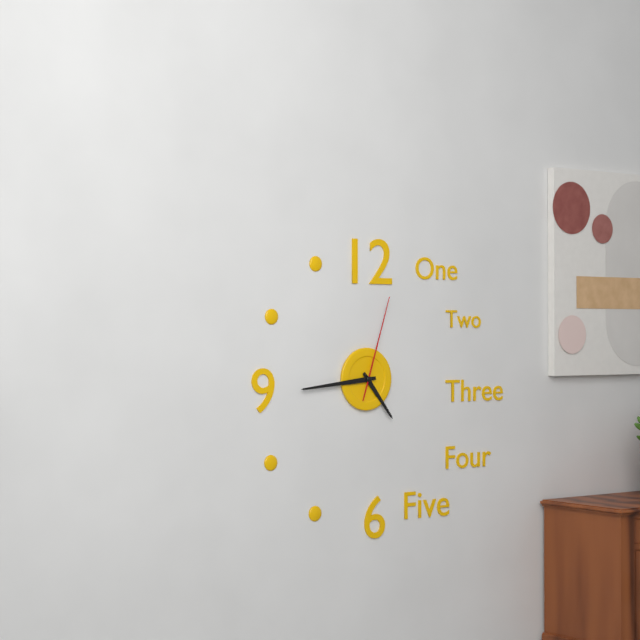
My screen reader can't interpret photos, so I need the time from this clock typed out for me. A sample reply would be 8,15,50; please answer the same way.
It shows 4,44,03
